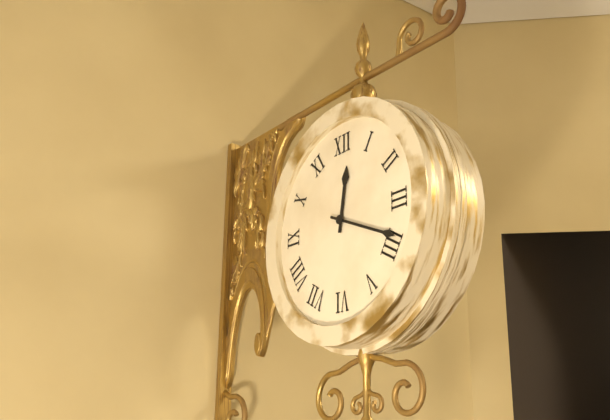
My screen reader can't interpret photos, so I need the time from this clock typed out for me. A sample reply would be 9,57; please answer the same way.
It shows 12,19
